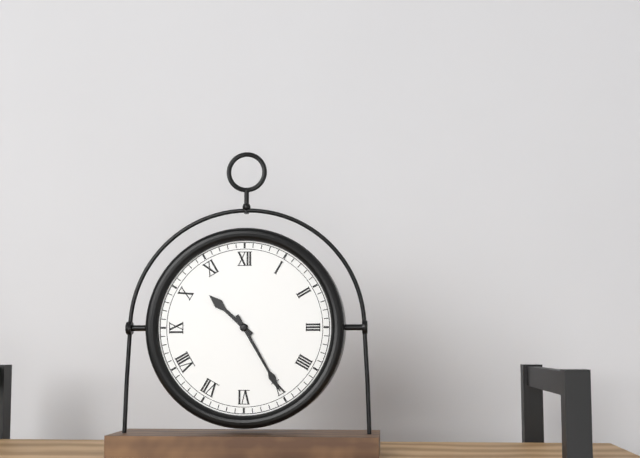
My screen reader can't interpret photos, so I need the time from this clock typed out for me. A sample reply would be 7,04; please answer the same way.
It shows 10,25
